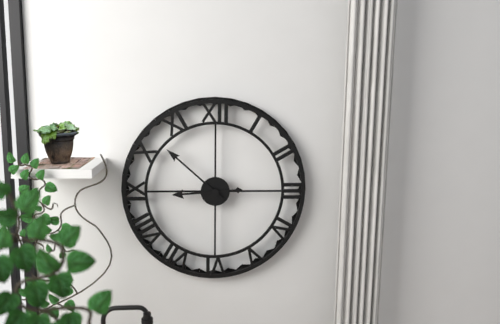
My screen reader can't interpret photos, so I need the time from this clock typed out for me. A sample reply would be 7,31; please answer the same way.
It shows 8,52
